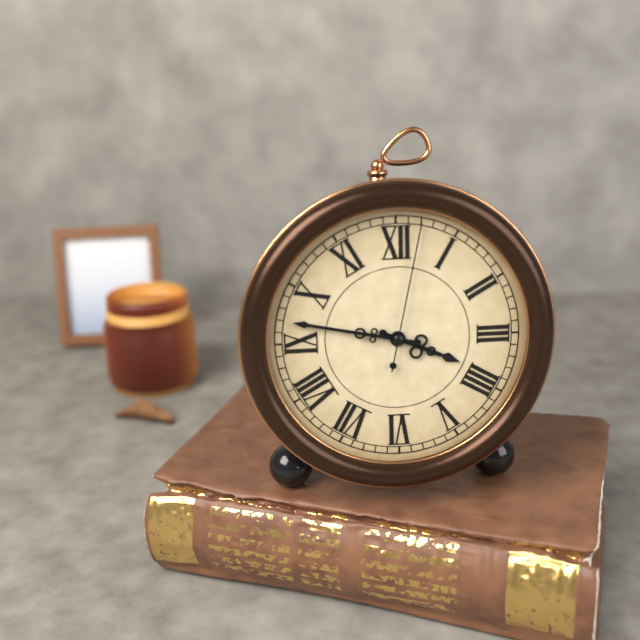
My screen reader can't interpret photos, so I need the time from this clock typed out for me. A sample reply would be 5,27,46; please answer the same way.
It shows 3,47,02
